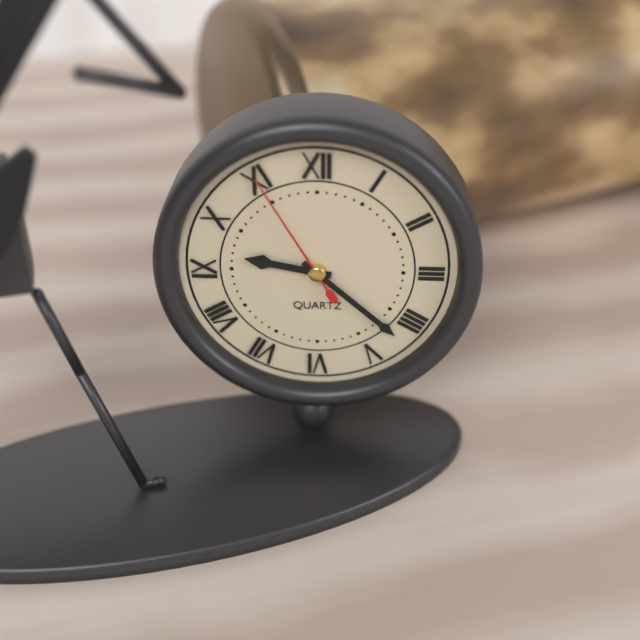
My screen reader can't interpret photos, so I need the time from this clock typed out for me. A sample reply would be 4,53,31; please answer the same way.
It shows 9,22,55
